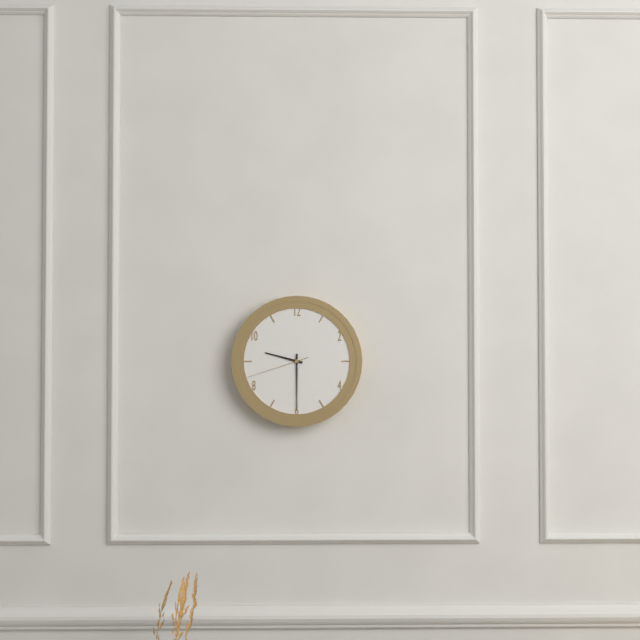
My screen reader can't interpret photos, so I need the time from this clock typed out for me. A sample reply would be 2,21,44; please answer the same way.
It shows 9,30,42
